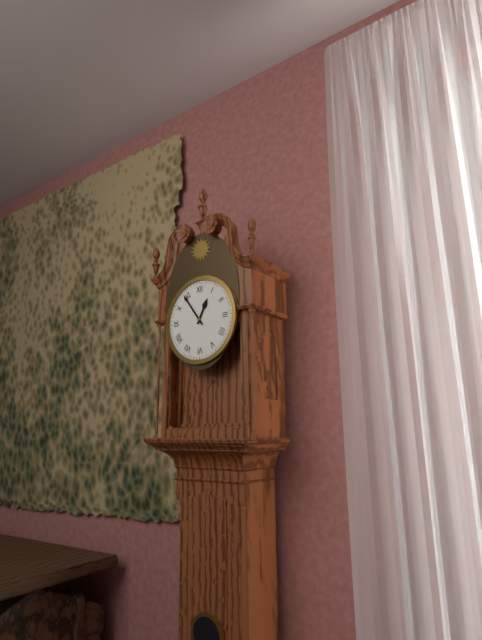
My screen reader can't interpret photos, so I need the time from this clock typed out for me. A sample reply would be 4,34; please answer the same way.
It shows 12,54
